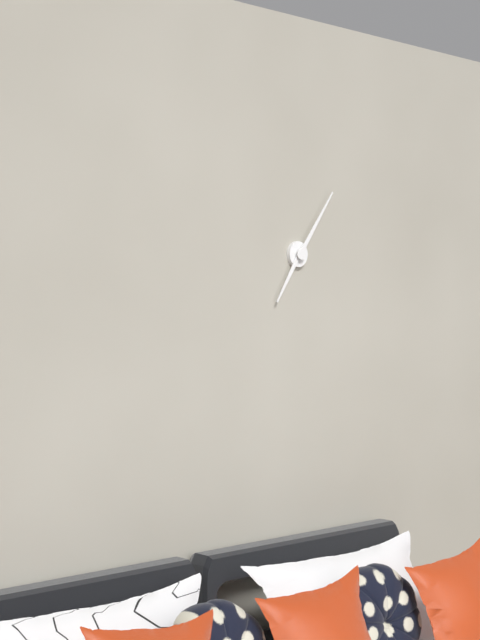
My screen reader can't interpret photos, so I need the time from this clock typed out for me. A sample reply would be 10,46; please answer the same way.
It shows 7,06
